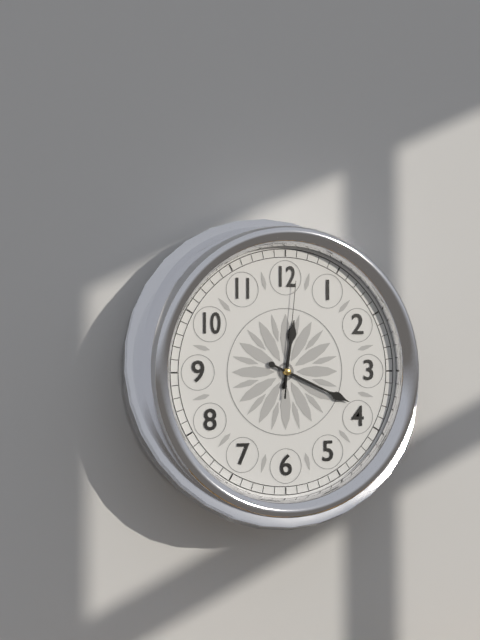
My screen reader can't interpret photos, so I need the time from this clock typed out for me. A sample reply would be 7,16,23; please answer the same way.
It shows 12,19,01
